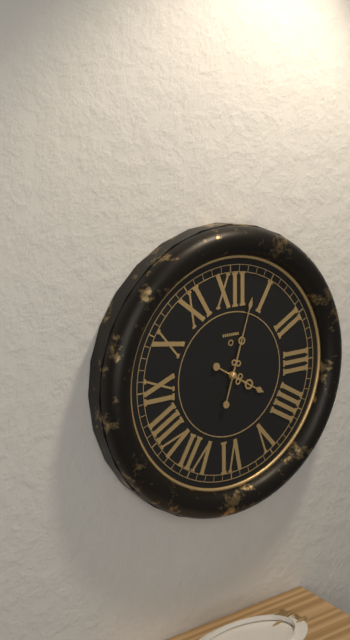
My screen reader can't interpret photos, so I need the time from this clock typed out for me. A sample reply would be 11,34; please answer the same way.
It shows 4,03
